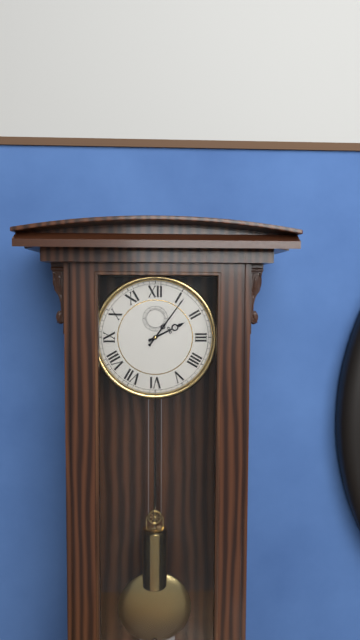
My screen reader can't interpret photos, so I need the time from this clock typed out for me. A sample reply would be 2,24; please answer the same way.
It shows 2,06
